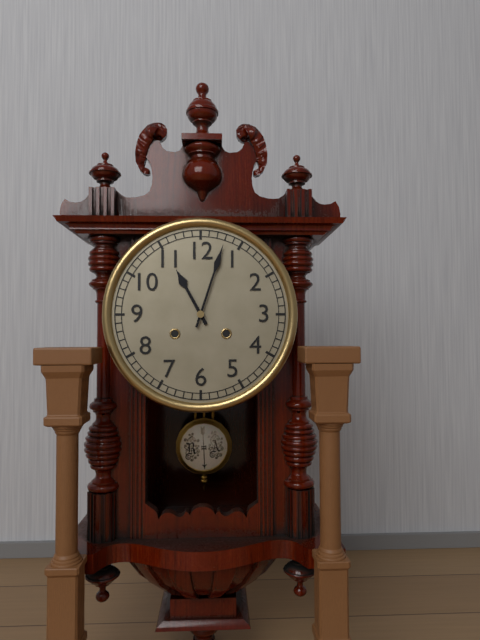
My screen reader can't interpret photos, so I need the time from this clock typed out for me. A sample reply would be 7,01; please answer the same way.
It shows 11,03
